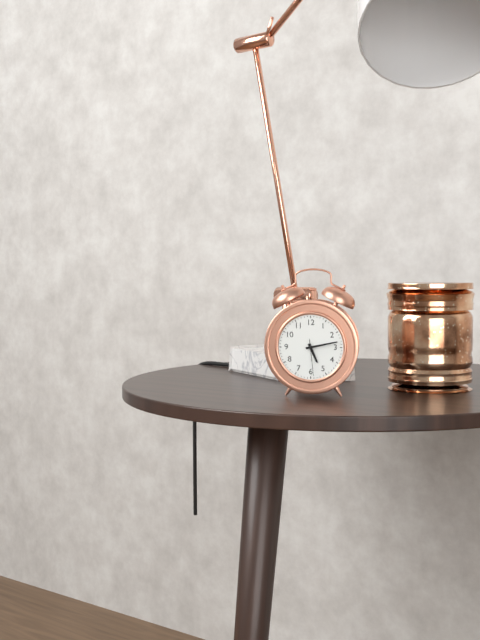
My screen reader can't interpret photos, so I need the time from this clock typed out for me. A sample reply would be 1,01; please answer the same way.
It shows 5,13
